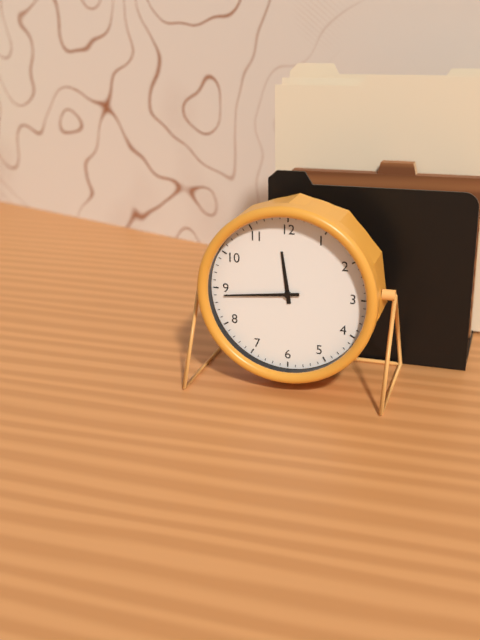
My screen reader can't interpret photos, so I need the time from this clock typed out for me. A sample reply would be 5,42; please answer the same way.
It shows 11,44
